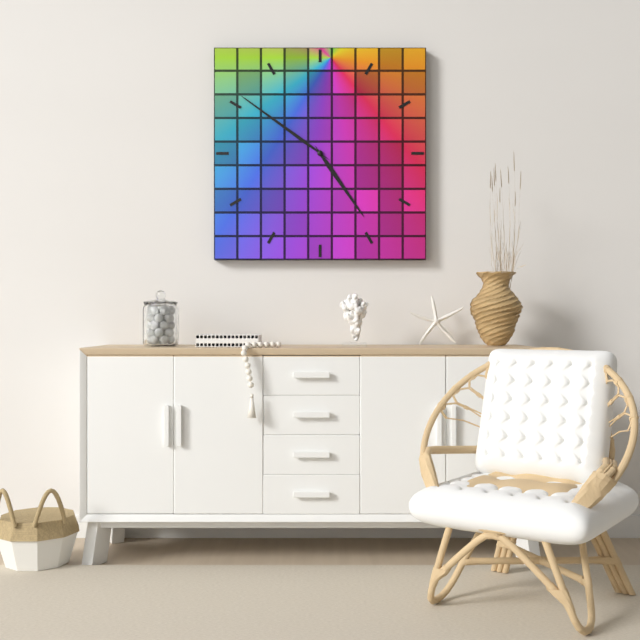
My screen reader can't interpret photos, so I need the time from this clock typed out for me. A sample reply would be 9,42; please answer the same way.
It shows 4,51
